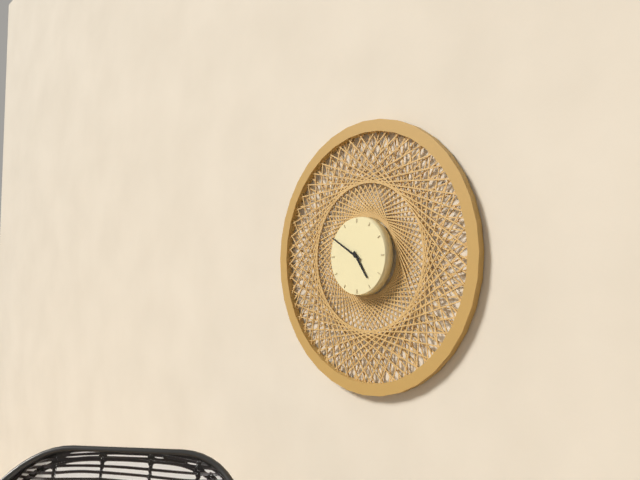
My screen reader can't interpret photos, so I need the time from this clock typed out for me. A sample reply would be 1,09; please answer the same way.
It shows 4,50
